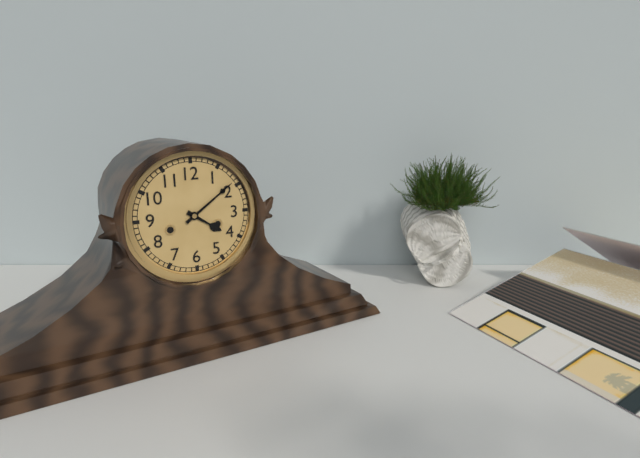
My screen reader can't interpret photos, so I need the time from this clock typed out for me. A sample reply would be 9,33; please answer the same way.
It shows 4,09
